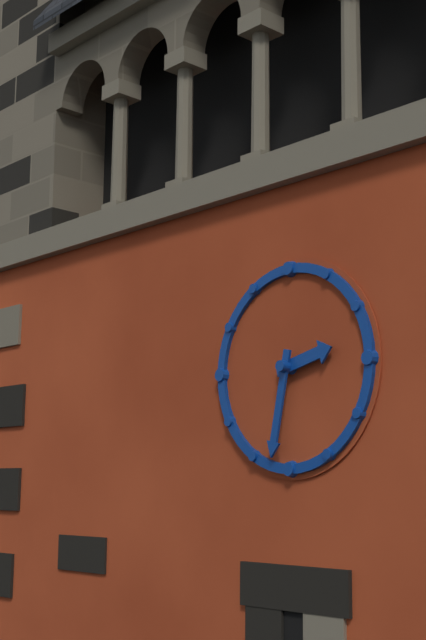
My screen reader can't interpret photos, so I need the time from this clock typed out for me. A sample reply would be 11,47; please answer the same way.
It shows 2,32
